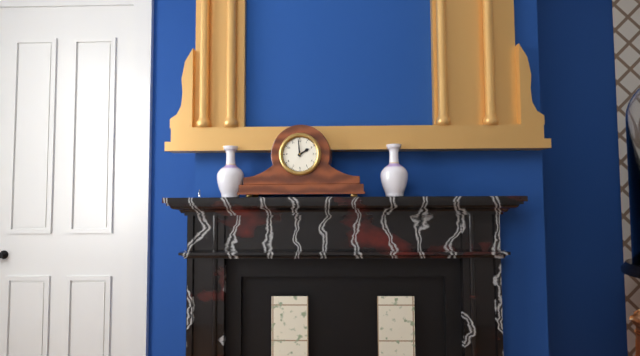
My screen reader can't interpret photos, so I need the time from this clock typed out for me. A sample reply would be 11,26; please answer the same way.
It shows 1,59
